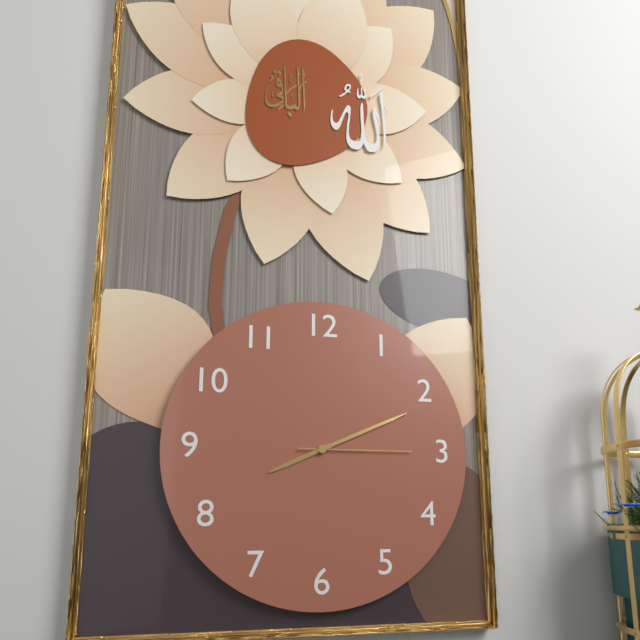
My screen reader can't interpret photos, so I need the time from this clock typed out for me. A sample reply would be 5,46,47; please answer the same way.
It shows 8,11,15
